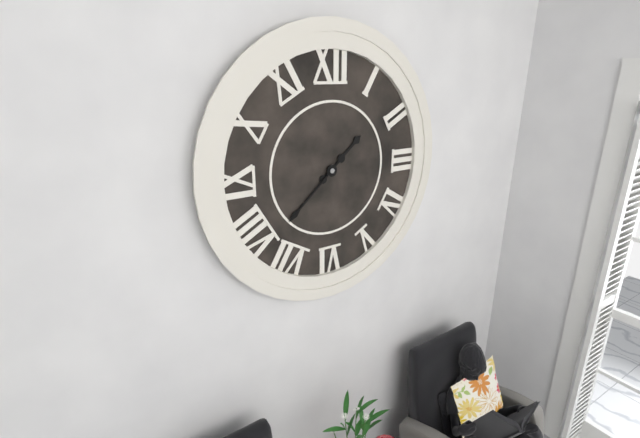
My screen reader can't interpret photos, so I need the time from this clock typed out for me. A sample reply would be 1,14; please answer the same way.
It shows 1,38
